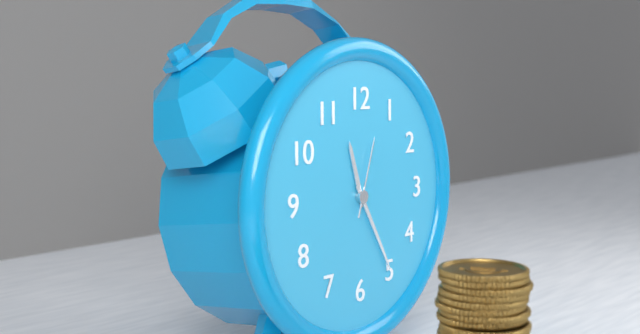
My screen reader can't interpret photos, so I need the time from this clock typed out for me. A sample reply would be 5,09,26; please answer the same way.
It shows 11,25,03
